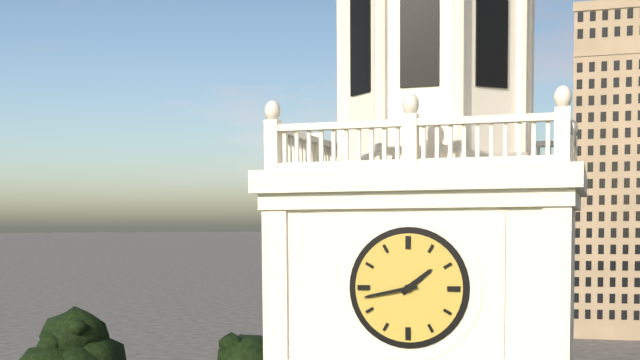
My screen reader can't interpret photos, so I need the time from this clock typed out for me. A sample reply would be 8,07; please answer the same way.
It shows 1,43
